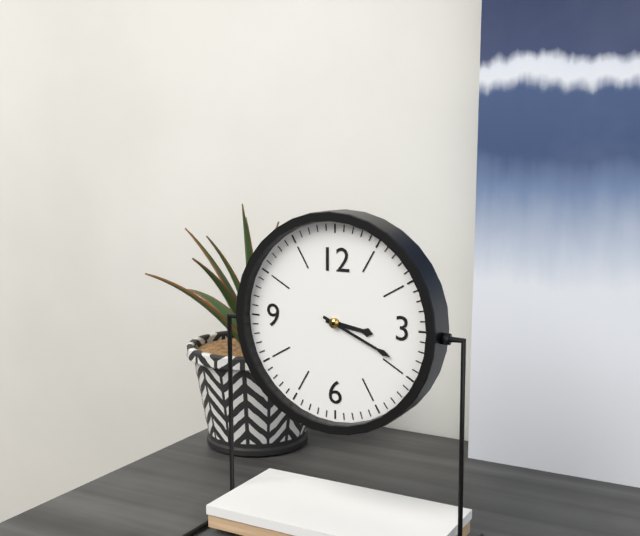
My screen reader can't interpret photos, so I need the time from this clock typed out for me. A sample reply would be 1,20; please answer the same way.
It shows 3,19
